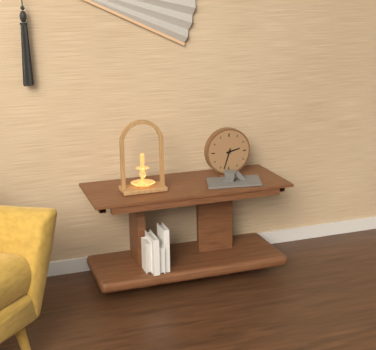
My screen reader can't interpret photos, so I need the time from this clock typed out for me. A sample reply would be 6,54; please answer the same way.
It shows 2,33
